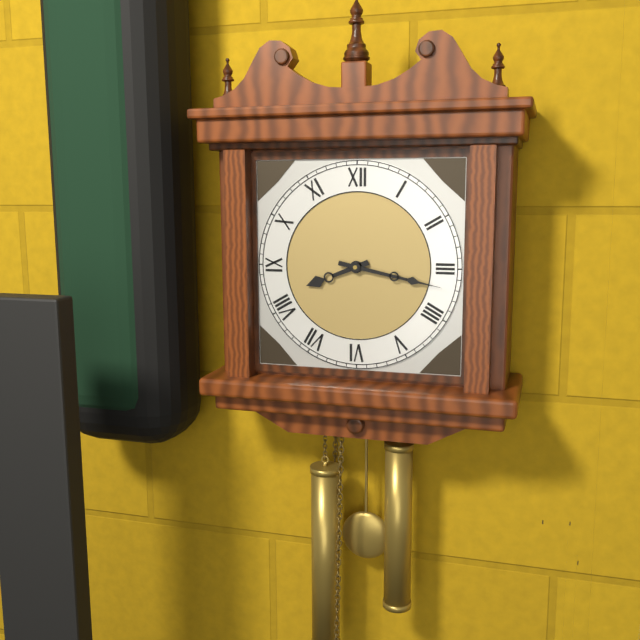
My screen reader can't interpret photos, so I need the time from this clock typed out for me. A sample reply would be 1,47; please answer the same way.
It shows 8,17
